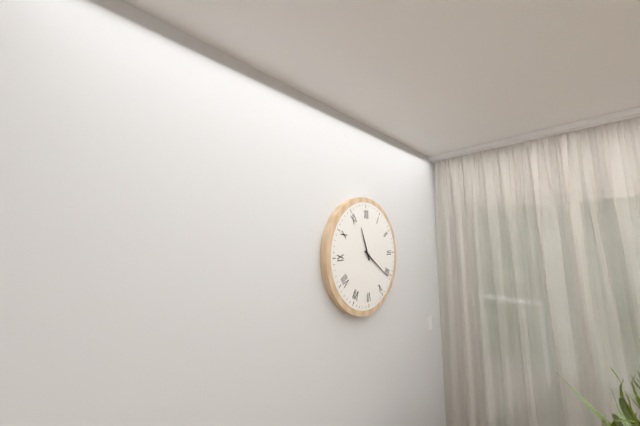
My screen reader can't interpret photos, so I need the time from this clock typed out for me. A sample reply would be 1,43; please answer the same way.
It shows 11,21
